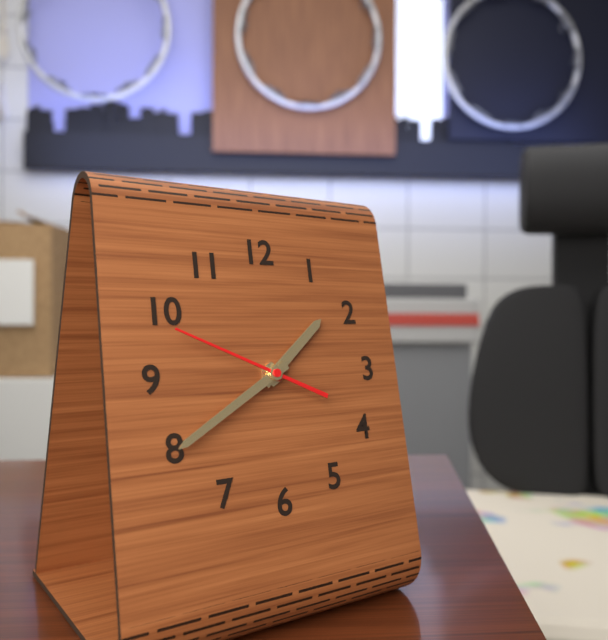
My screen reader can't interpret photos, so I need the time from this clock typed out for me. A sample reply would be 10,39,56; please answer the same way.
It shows 1,40,49
